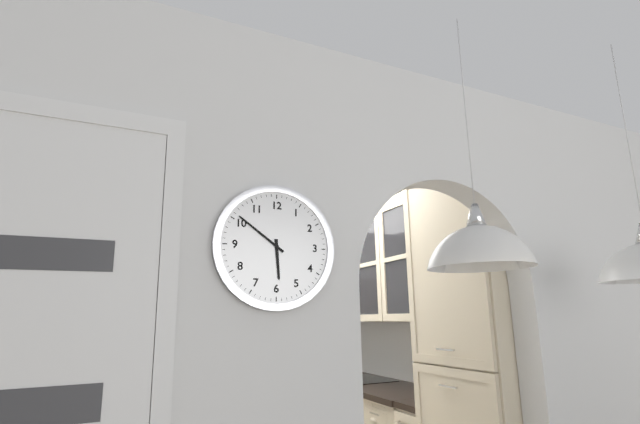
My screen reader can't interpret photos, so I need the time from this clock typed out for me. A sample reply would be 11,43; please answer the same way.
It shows 5,51
